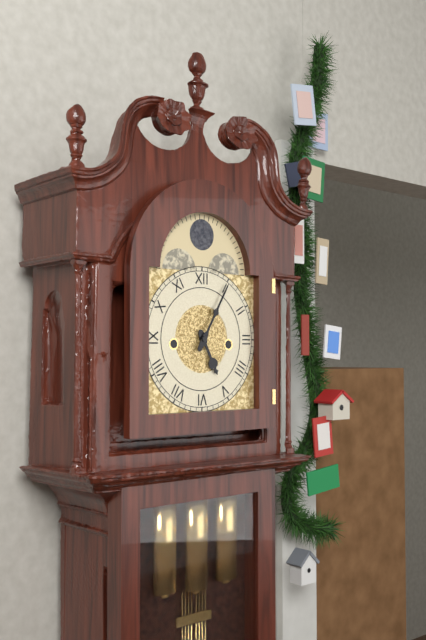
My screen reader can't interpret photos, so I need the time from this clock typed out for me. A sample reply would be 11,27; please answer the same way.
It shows 5,05
